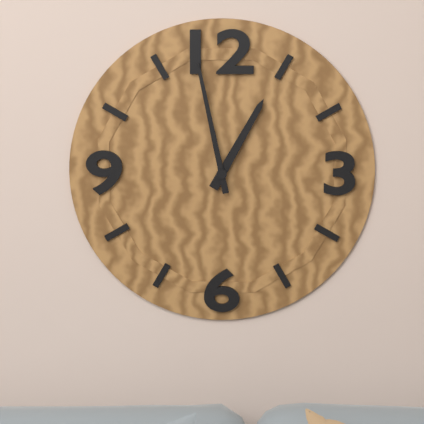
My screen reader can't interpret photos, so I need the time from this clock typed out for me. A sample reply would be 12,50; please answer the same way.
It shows 12,58
